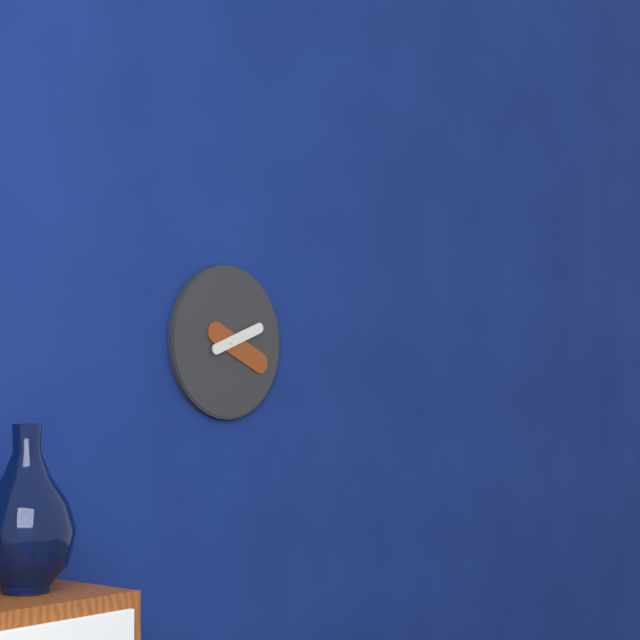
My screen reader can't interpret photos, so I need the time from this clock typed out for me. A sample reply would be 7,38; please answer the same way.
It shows 2,19
